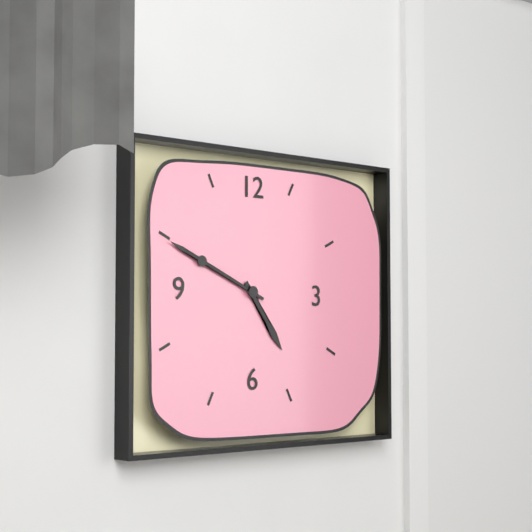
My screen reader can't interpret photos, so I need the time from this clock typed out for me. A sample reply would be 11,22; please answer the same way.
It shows 4,49
